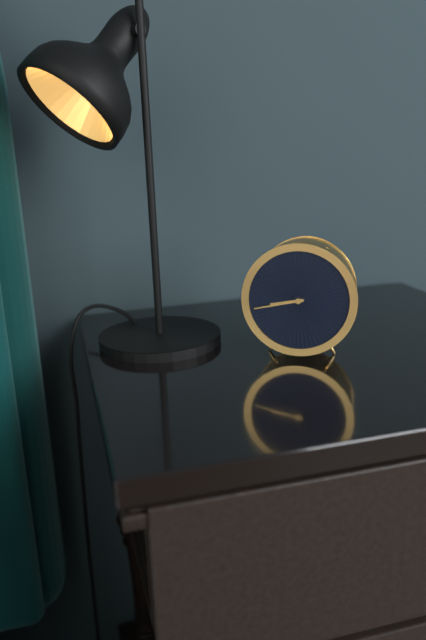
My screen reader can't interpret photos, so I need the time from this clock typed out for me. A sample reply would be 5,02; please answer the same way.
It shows 8,43
